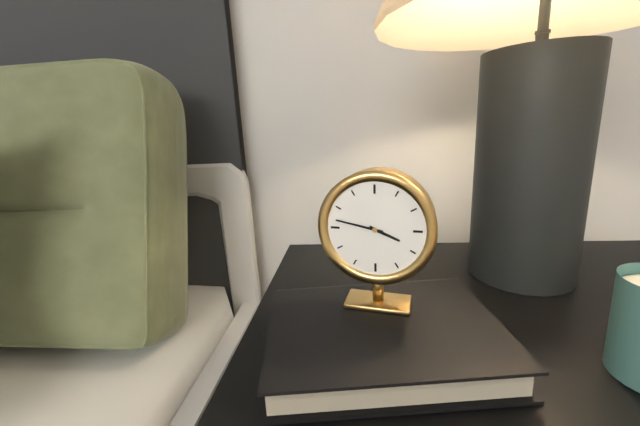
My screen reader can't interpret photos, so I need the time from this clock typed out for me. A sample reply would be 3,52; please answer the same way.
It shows 3,47
